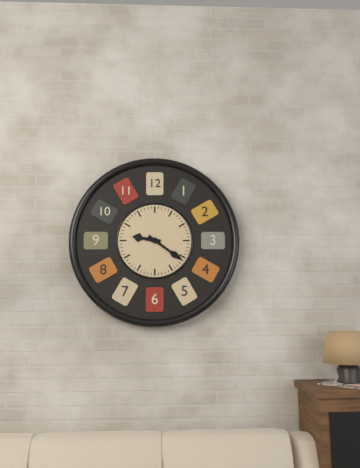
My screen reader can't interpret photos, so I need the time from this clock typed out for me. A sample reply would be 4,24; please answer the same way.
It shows 9,21
